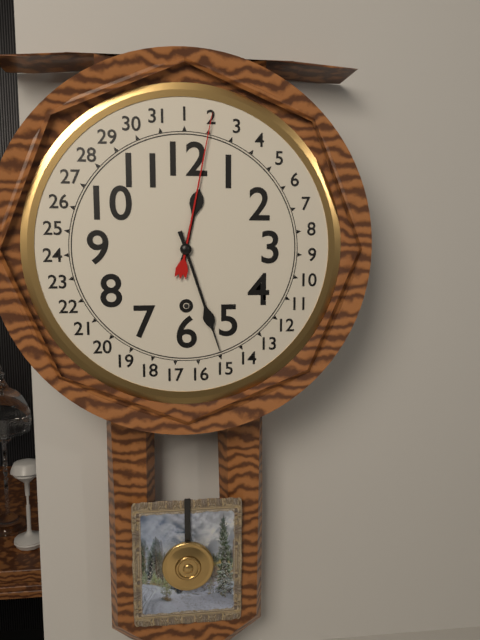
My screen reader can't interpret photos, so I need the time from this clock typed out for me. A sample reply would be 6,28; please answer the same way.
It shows 12,27
